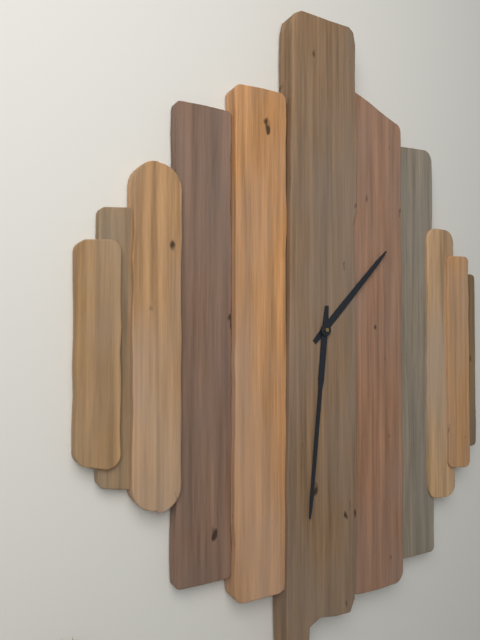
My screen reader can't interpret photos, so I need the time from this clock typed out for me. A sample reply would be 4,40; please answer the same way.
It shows 1,31
